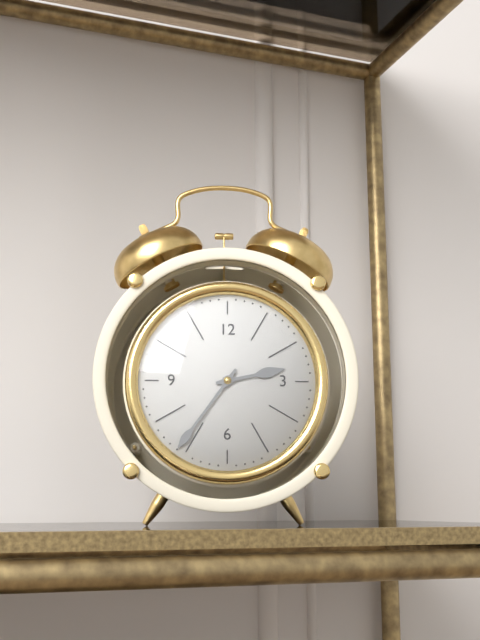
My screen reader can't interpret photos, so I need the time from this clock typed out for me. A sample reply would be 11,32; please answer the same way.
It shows 2,36
